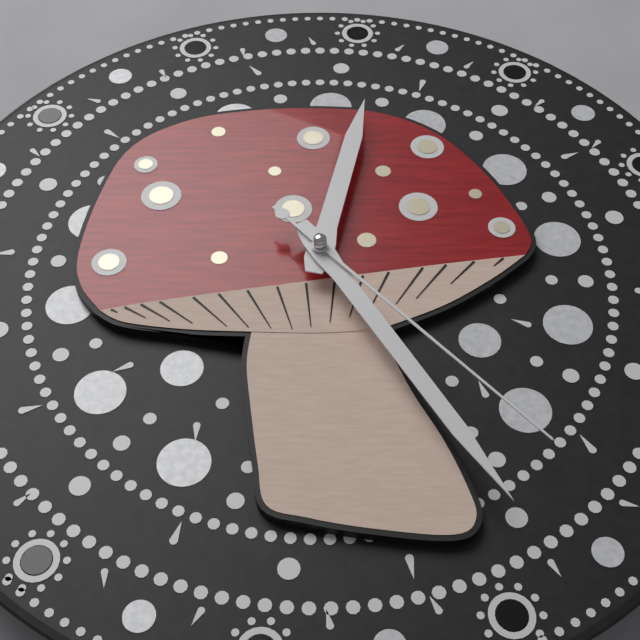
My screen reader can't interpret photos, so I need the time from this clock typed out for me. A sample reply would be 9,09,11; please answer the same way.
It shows 12,25,23
